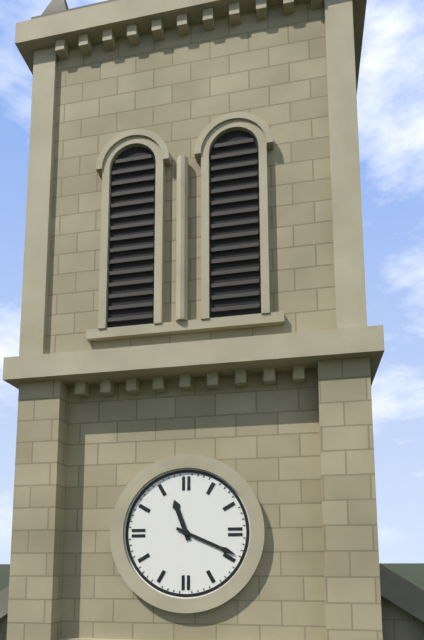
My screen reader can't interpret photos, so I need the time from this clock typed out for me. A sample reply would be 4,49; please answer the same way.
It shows 11,19
